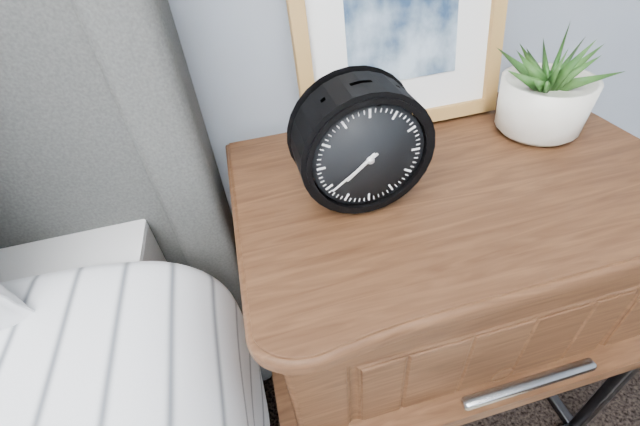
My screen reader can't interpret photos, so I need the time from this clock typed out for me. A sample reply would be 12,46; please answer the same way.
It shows 7,39
